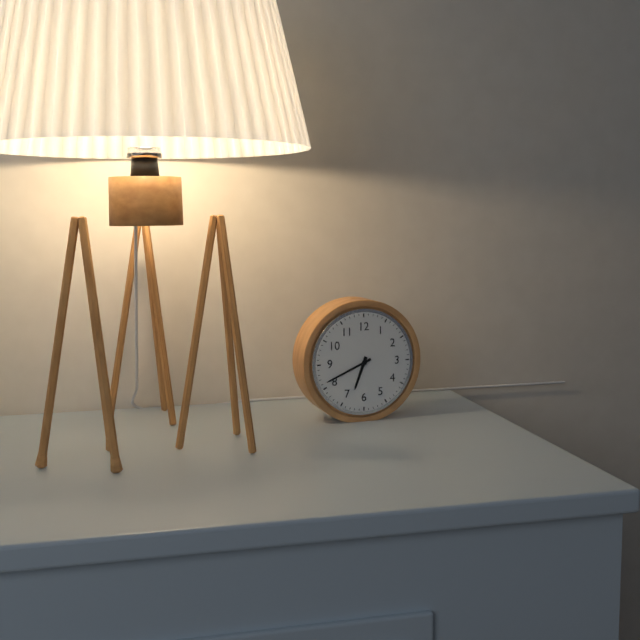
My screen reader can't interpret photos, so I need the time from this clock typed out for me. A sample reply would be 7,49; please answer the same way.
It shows 6,41
